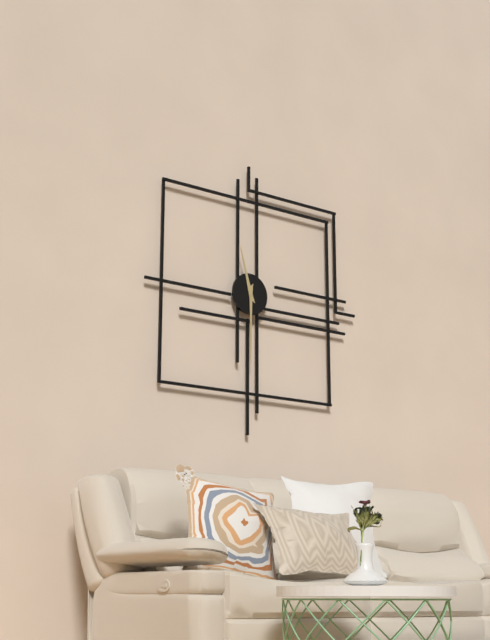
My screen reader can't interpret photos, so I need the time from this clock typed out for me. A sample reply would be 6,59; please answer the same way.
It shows 11,30
